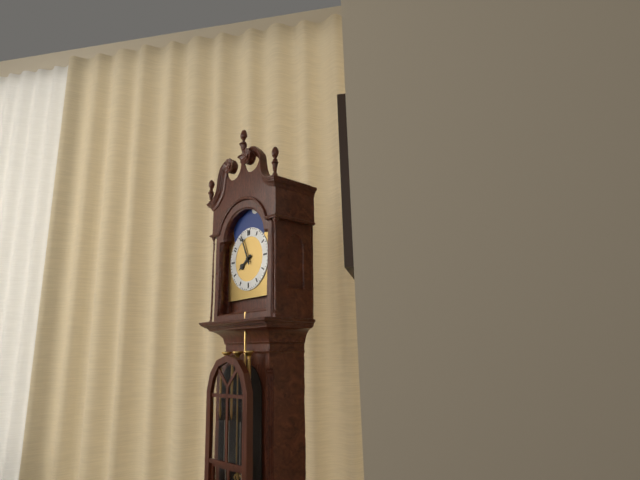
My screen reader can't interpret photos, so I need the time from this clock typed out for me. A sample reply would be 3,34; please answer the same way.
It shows 7,56
